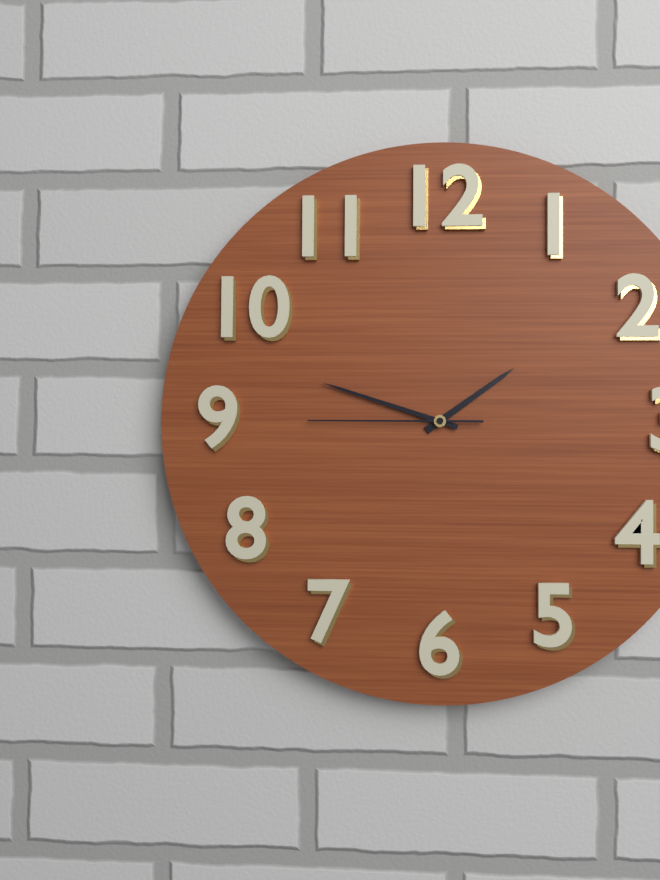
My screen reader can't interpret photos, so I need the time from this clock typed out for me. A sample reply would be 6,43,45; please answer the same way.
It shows 1,48,45
